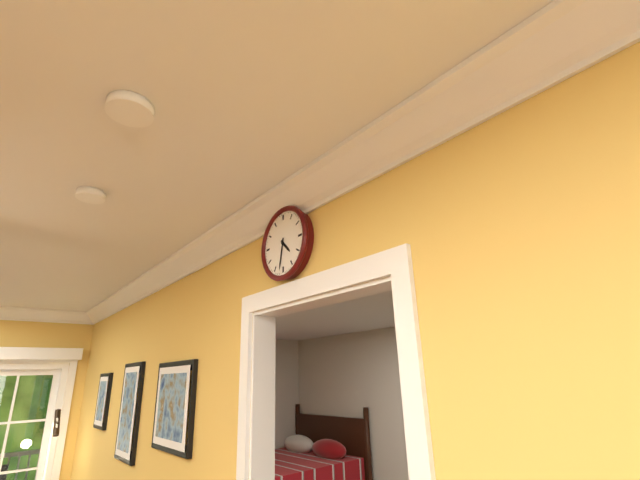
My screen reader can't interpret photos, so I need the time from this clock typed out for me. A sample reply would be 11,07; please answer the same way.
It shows 4,32
